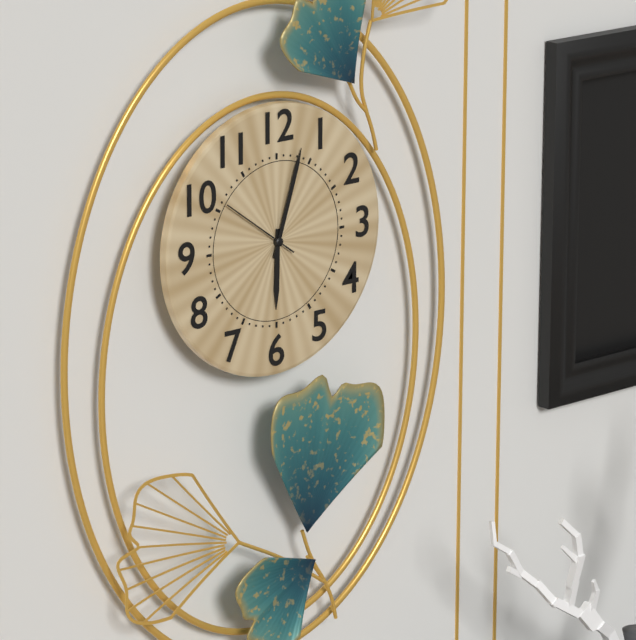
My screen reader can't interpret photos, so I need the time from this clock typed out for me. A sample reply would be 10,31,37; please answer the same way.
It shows 6,03,51
